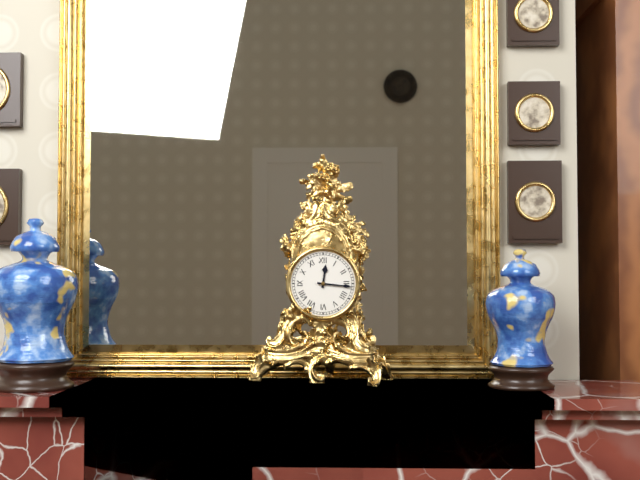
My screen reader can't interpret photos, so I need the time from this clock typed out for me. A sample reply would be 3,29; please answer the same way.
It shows 12,16
